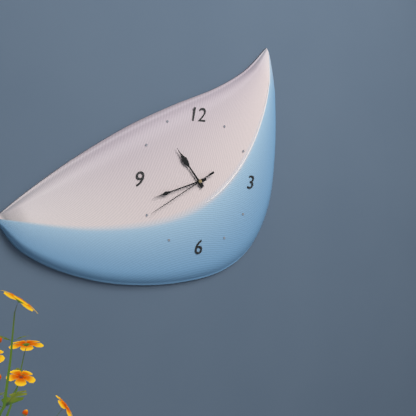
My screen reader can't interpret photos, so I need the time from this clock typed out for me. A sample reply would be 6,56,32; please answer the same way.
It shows 10,42,40
